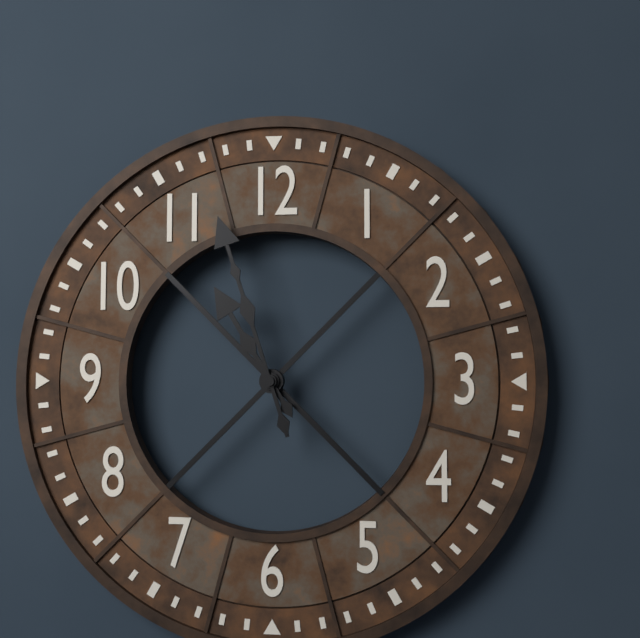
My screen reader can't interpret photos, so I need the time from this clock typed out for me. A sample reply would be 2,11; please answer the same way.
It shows 10,57
